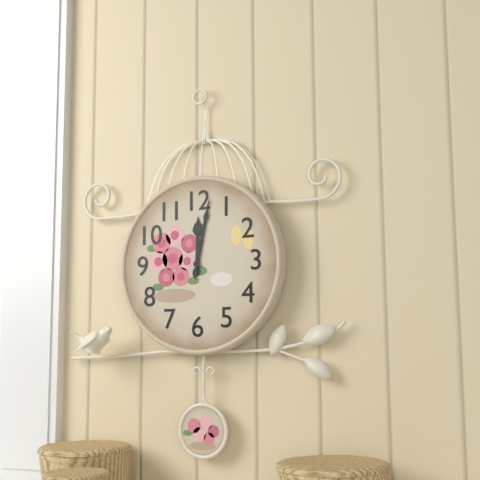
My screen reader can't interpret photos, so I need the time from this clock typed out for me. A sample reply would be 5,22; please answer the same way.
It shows 12,02
